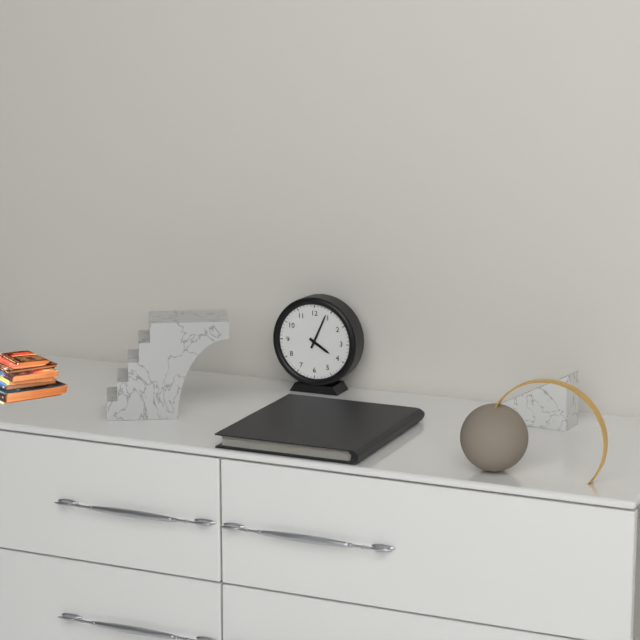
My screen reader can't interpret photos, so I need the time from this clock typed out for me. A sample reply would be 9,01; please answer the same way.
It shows 4,04
